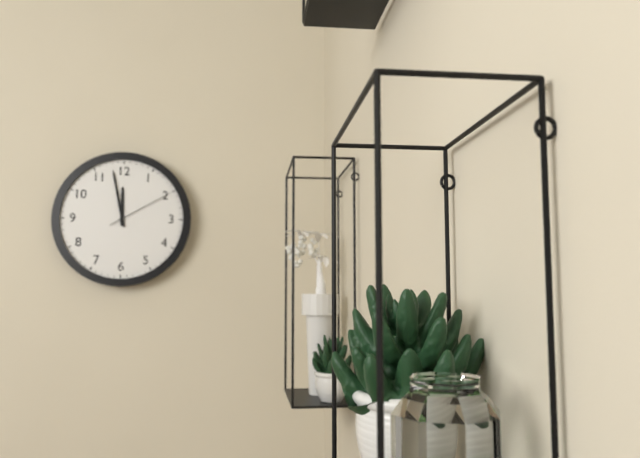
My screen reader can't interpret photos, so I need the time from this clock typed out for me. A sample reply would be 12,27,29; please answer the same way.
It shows 11,58,10
